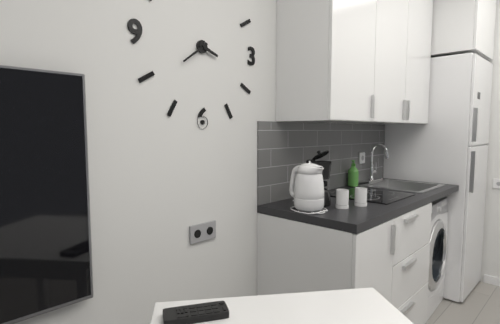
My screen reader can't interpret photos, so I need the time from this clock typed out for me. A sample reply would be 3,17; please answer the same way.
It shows 3,39
